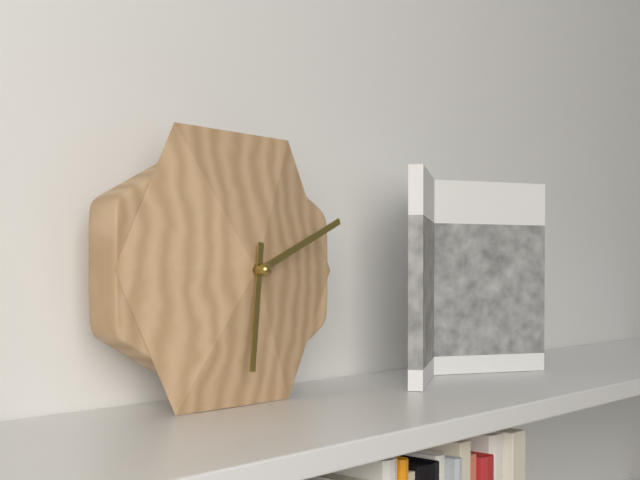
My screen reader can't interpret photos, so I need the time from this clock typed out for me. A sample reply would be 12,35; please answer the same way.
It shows 6,11
